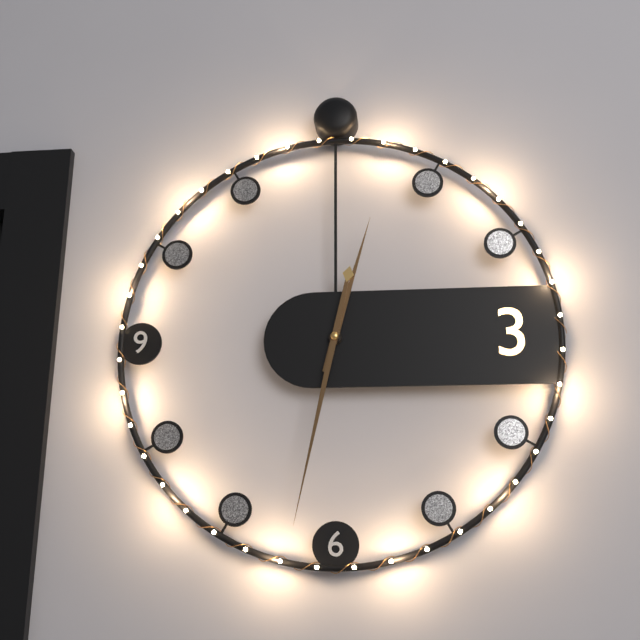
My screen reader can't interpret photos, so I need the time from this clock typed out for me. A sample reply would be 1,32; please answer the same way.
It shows 12,32
